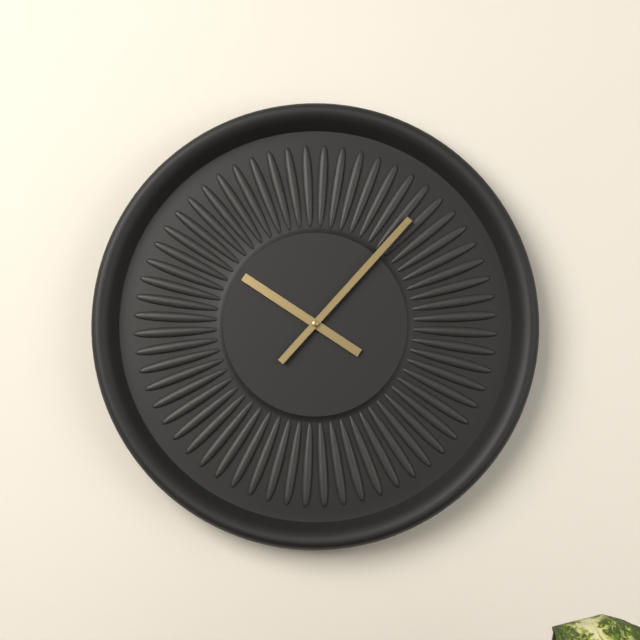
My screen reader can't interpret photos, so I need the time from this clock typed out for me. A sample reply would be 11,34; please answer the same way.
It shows 10,07
